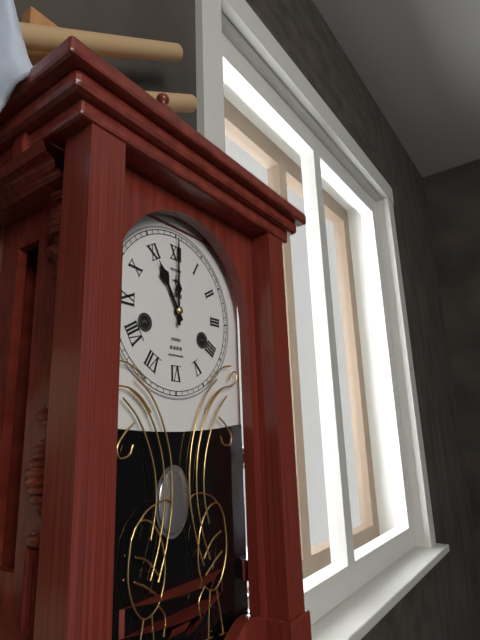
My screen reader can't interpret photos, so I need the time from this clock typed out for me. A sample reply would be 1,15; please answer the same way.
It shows 11,00
